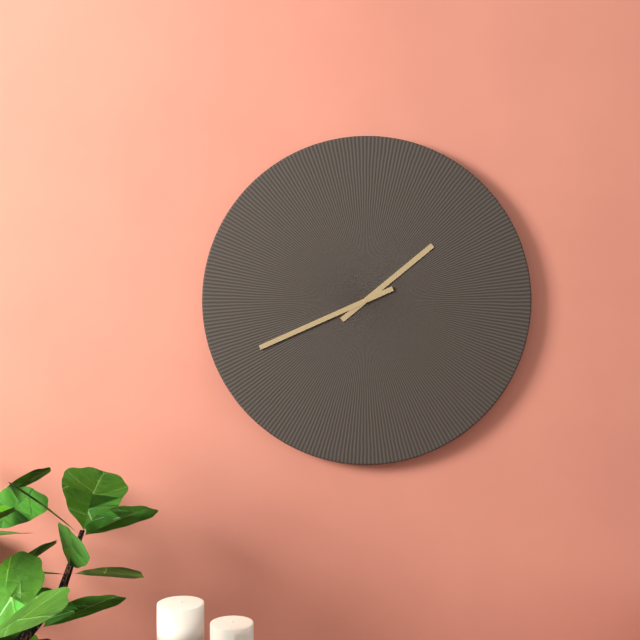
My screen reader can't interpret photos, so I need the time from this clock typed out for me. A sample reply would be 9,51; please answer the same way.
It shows 1,41
